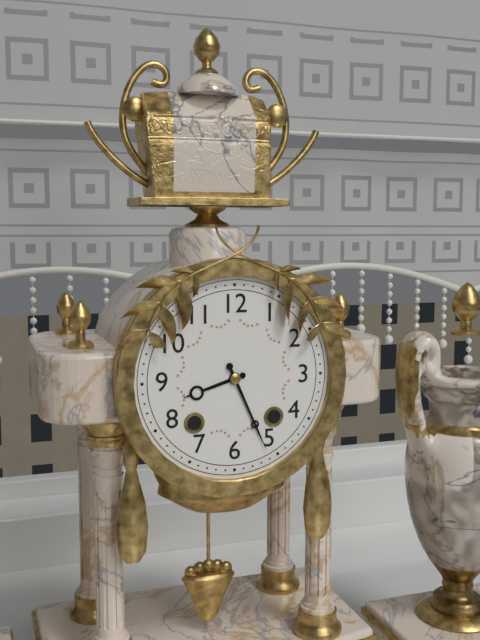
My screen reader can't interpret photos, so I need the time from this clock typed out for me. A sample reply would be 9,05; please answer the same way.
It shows 8,26
